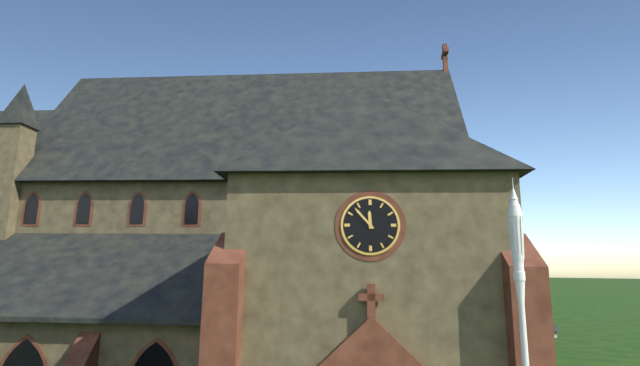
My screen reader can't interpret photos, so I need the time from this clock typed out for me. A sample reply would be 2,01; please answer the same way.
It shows 11,53
